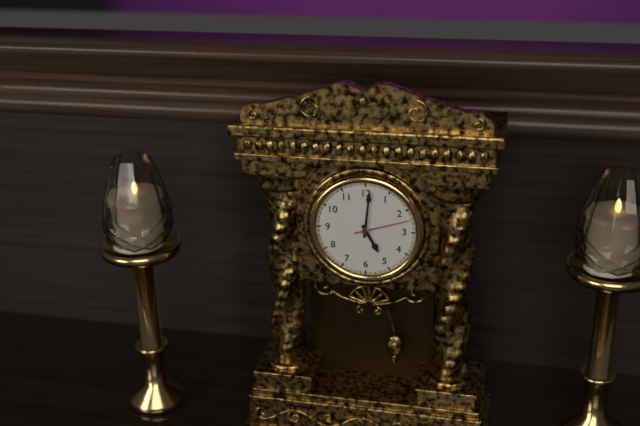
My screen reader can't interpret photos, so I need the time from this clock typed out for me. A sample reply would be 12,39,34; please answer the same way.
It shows 5,01,12
